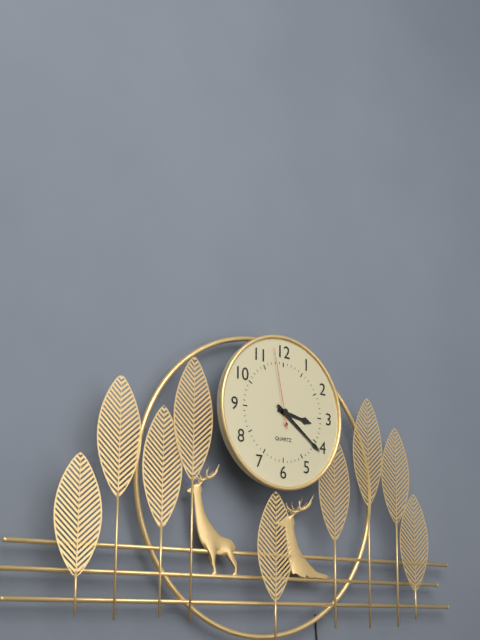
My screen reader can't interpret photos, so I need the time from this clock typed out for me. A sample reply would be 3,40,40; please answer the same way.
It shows 3,21,58
